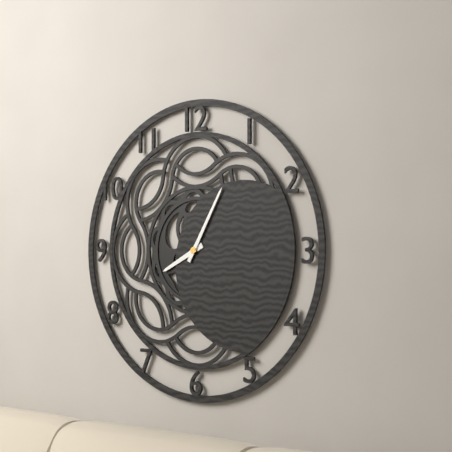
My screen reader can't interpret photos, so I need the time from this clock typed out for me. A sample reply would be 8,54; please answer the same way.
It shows 8,05
